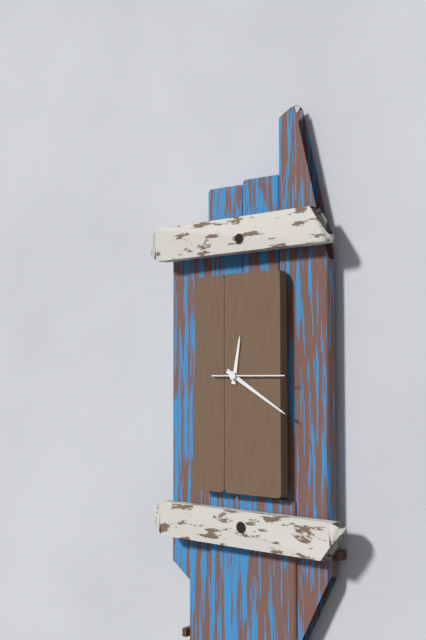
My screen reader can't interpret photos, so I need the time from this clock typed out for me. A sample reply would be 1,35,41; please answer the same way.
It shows 12,20,15
